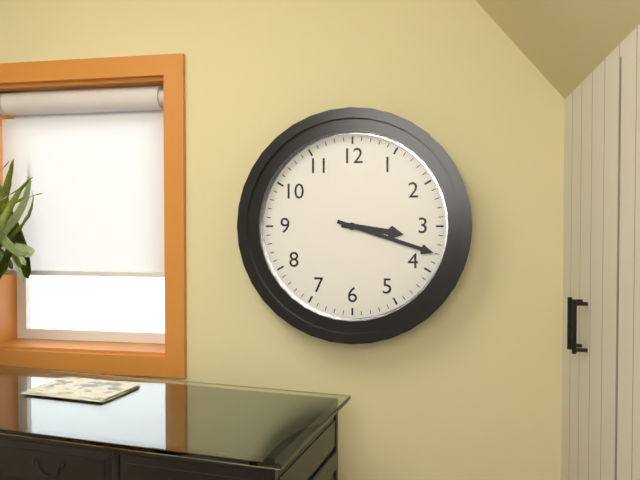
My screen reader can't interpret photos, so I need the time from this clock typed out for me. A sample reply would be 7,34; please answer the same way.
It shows 3,18
